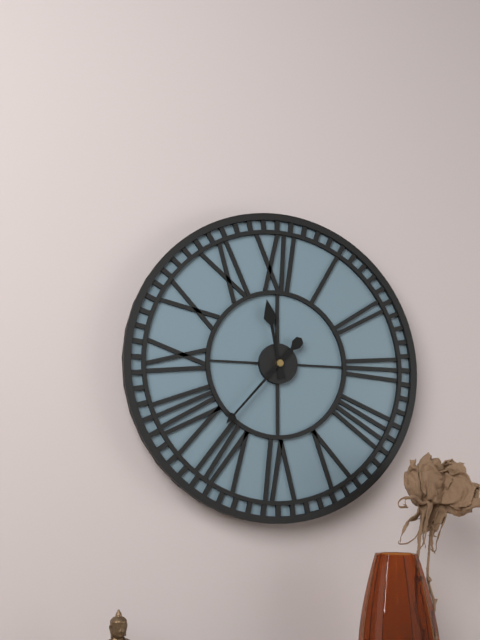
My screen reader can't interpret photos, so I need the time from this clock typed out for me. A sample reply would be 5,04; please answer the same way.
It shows 11,37
